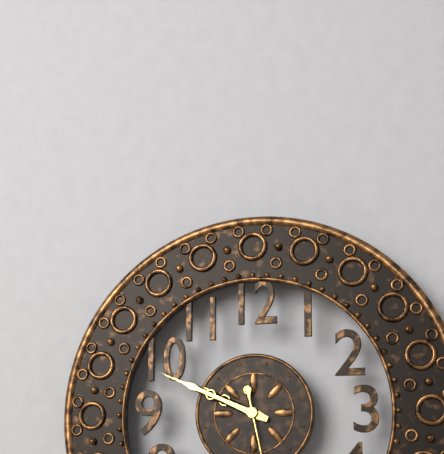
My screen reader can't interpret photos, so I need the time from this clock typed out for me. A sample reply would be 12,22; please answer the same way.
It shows 9,49
